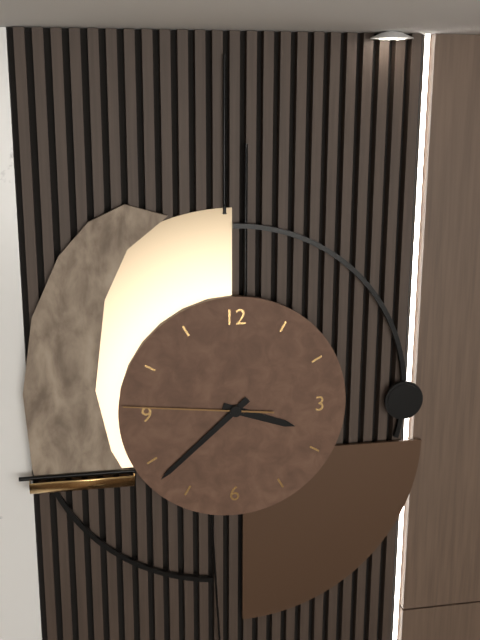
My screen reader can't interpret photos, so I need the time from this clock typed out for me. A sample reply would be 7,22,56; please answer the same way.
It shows 3,38,46
